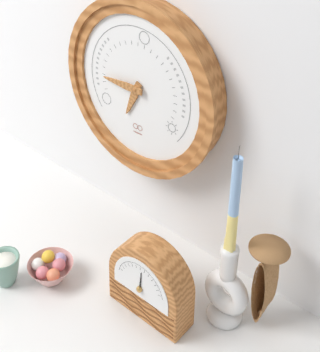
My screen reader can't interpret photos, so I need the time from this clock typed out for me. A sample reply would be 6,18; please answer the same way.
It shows 6,45
